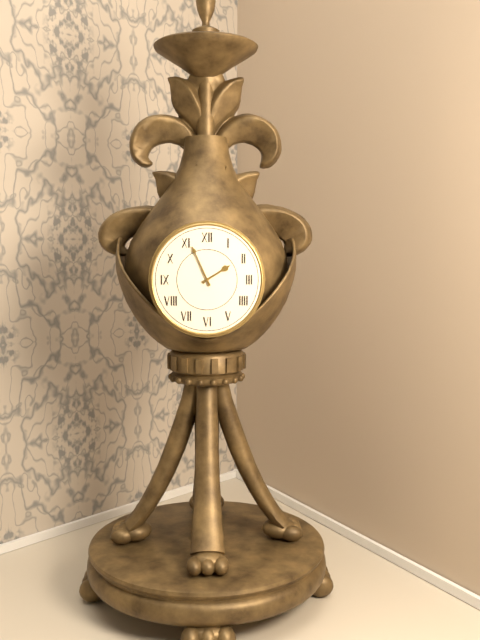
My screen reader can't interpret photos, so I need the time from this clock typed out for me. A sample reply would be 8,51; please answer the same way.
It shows 1,56
